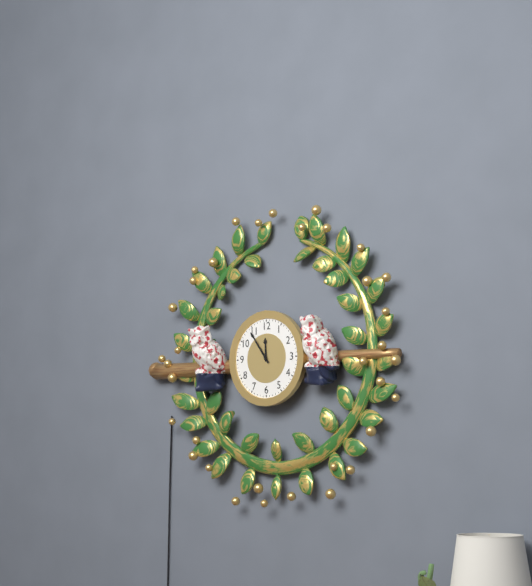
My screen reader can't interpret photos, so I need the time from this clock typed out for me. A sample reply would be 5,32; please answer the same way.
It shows 11,54
